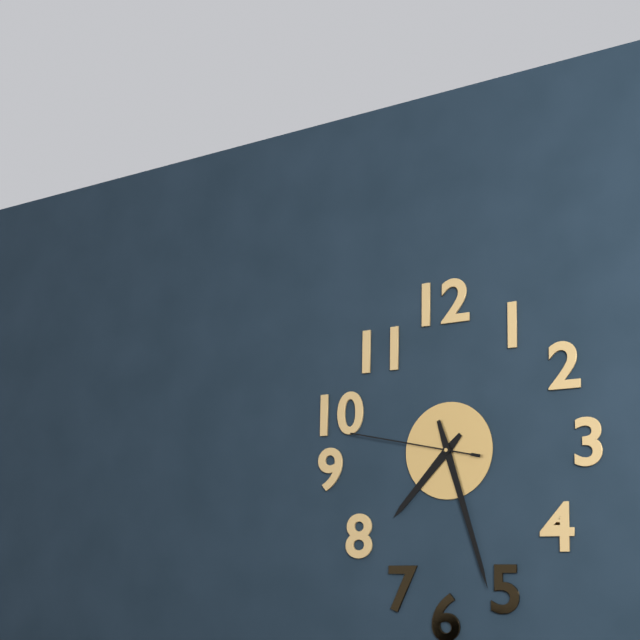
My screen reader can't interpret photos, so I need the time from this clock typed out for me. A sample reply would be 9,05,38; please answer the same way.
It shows 7,27,47
